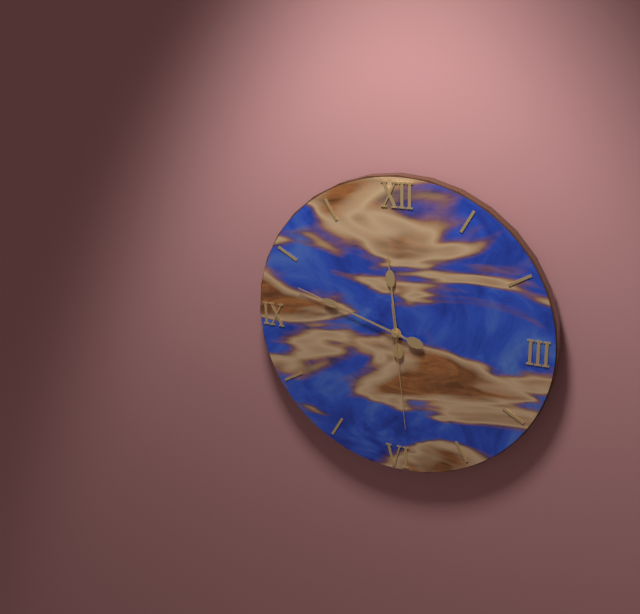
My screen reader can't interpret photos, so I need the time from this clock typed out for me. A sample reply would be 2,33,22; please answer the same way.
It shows 11,48,29
